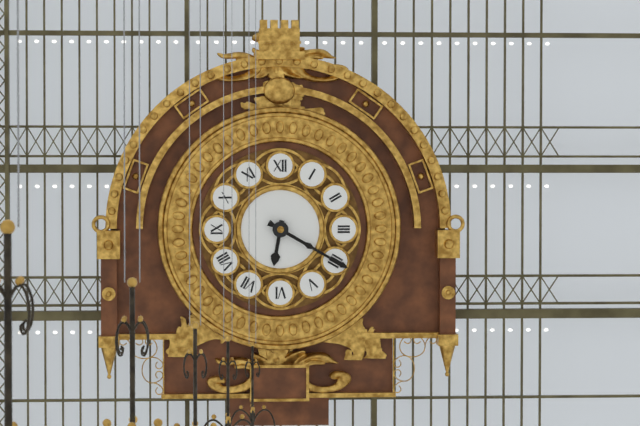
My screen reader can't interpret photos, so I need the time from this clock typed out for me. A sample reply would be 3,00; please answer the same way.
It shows 6,20
